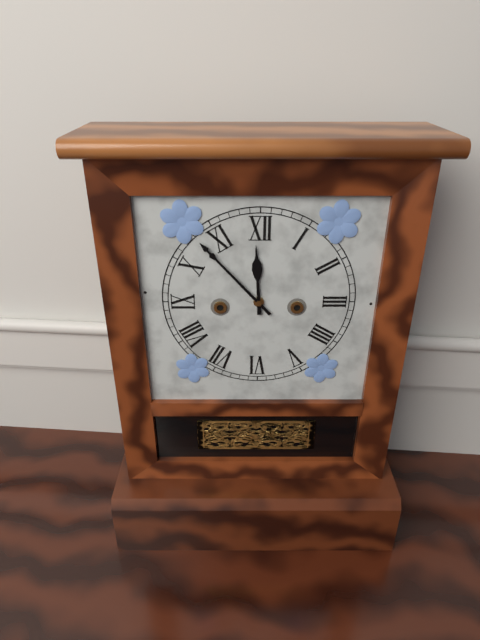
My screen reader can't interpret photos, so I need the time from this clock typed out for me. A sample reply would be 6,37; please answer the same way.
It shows 11,53
